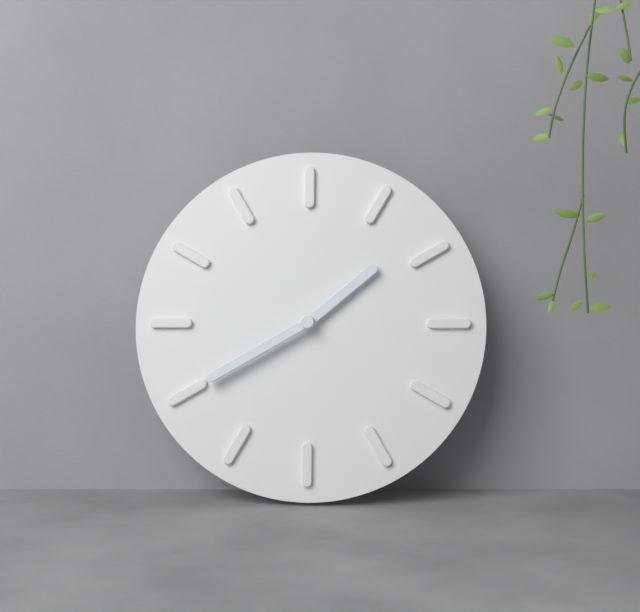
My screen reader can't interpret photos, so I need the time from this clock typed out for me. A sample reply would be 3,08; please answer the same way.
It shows 1,40
